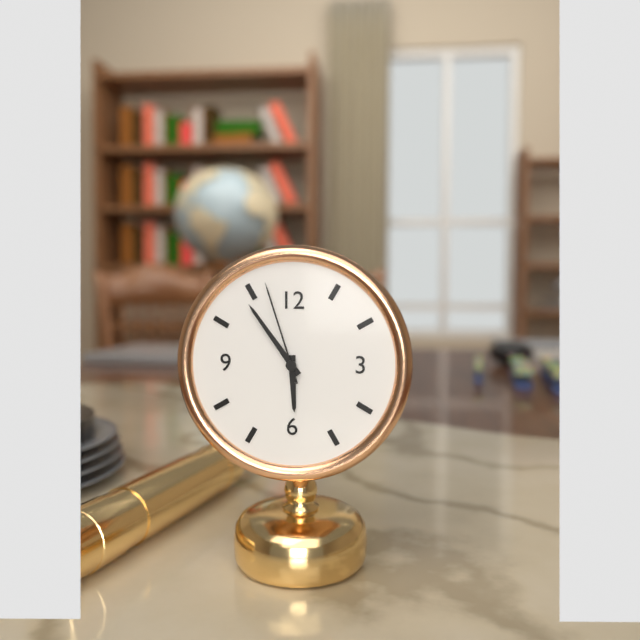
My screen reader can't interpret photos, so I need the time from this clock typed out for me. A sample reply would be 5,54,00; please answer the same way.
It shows 5,54,57
